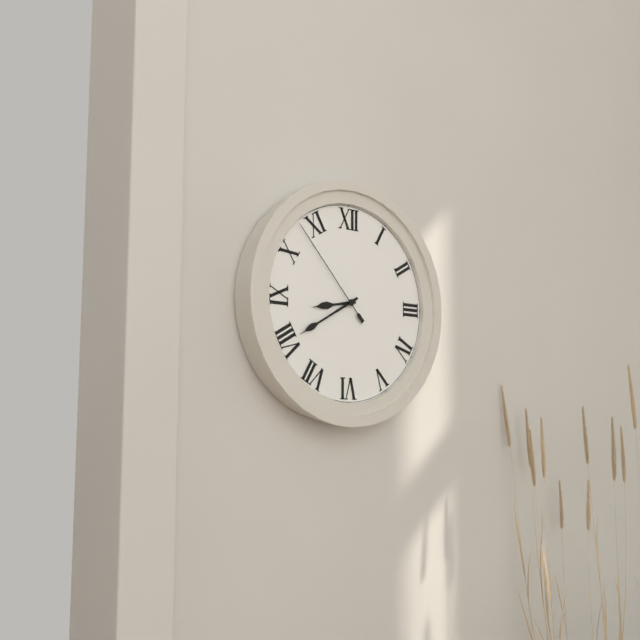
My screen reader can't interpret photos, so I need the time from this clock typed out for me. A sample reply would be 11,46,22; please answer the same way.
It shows 8,40,53
